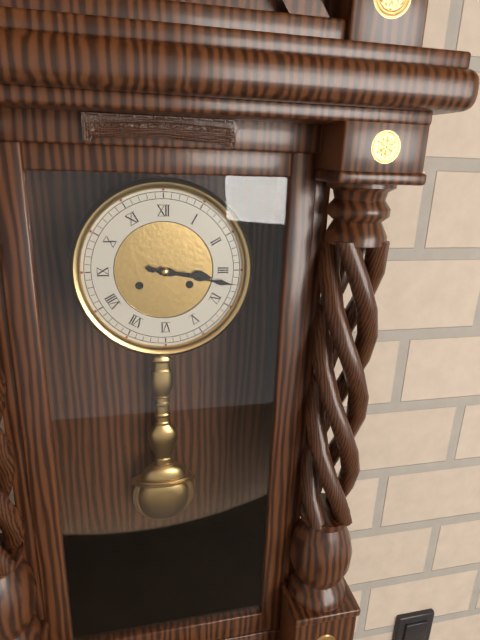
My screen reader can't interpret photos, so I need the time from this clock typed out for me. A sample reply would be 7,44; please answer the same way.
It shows 3,17
